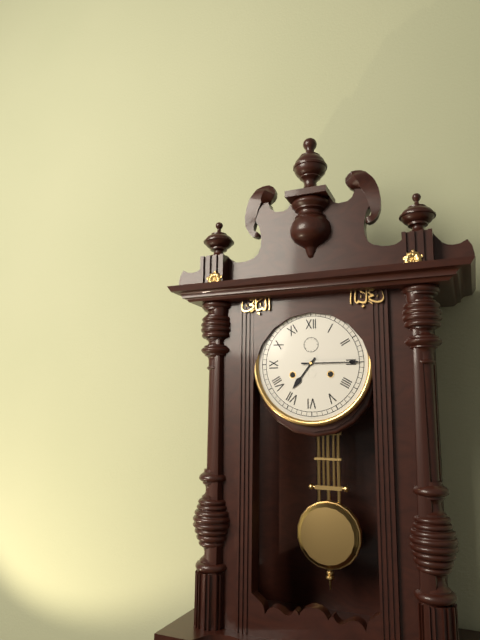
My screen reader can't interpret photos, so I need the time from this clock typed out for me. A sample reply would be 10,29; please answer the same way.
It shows 7,15
